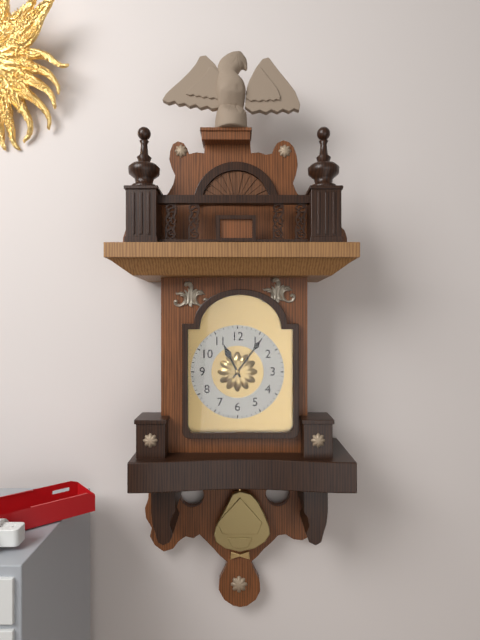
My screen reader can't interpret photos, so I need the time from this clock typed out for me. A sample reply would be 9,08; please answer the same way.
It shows 11,06
